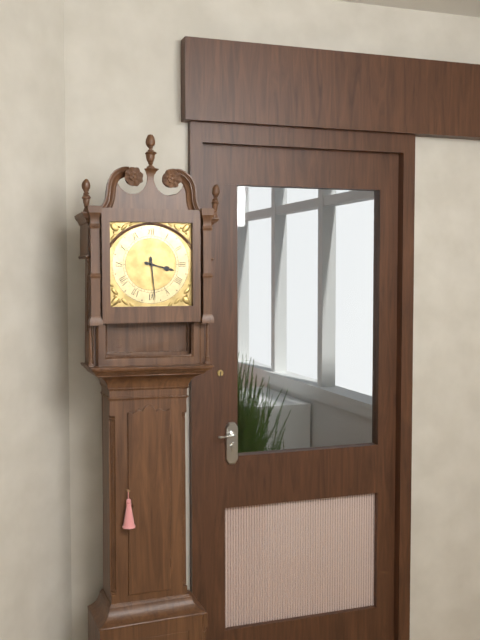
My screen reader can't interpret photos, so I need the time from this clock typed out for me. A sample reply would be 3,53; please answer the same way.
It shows 3,29
